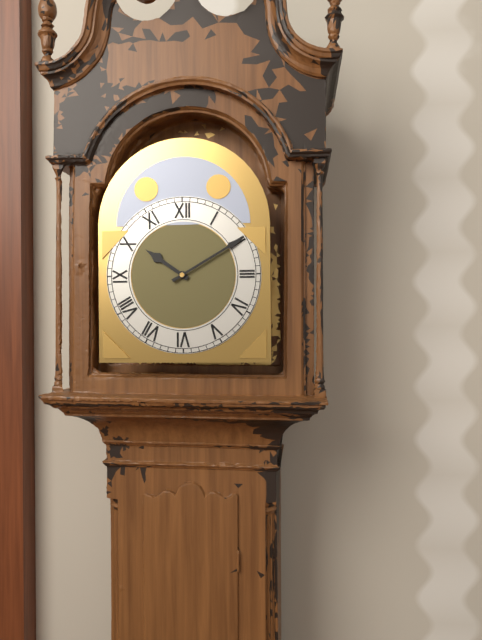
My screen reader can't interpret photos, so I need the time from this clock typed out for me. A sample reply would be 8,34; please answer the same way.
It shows 10,10
